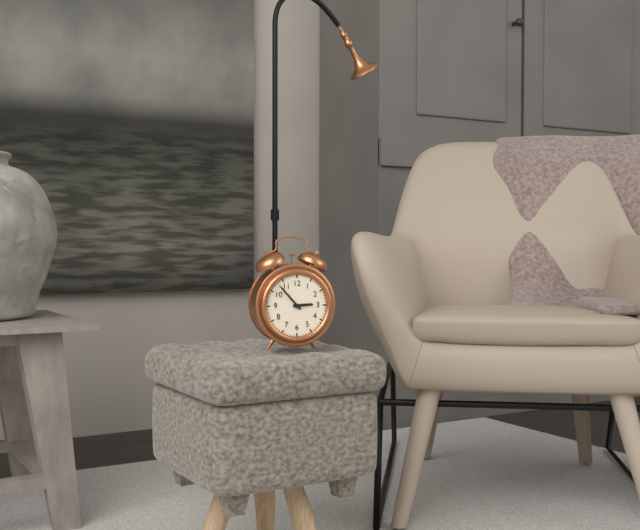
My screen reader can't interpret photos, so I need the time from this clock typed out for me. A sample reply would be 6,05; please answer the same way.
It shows 2,53
